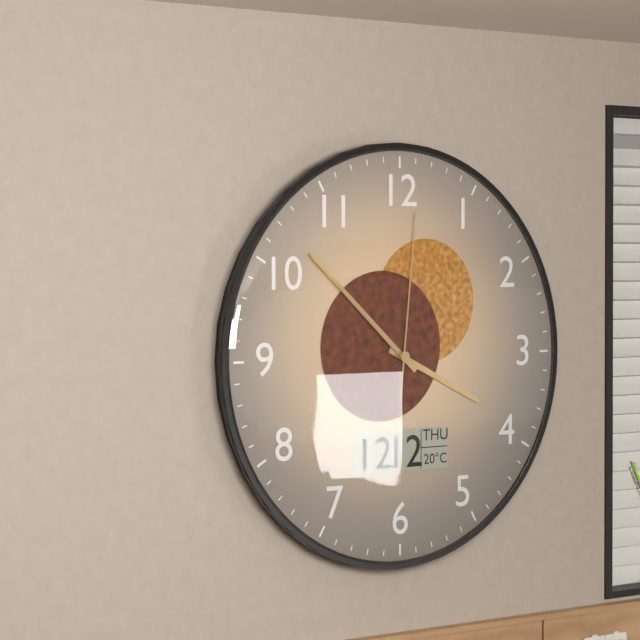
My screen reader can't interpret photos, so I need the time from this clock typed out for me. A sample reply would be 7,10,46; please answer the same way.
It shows 3,52,01
